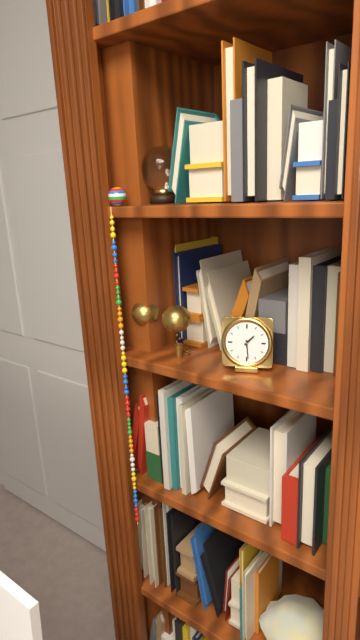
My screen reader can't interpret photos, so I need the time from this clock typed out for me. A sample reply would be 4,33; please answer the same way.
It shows 1,29
